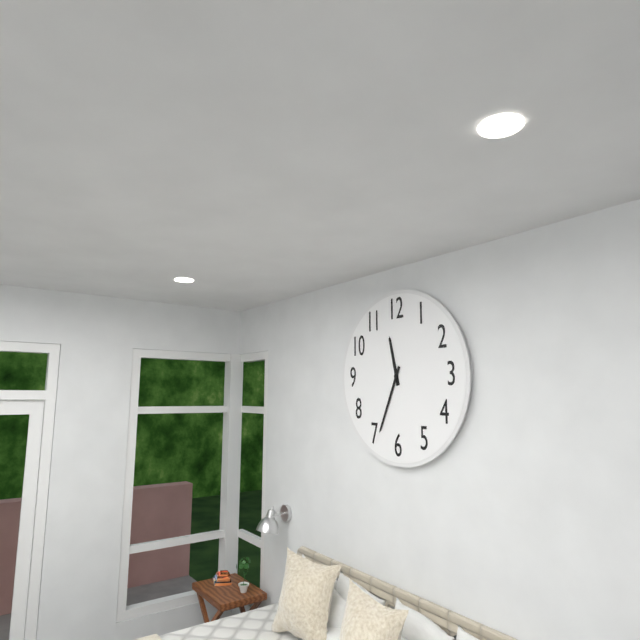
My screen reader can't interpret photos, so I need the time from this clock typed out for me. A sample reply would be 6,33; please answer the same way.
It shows 11,34
